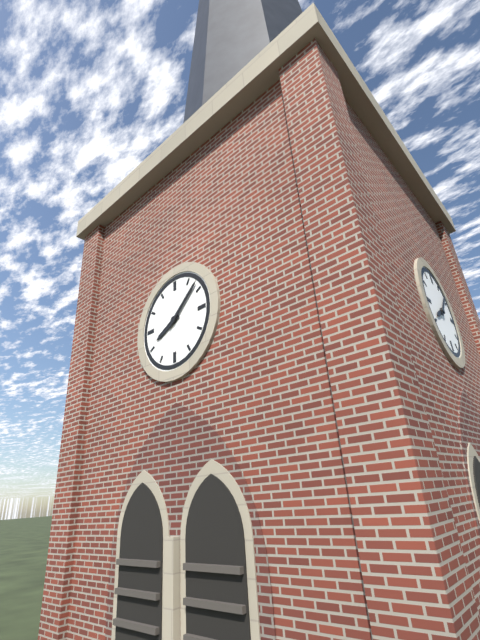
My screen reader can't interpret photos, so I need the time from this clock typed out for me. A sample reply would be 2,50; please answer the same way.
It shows 8,08
